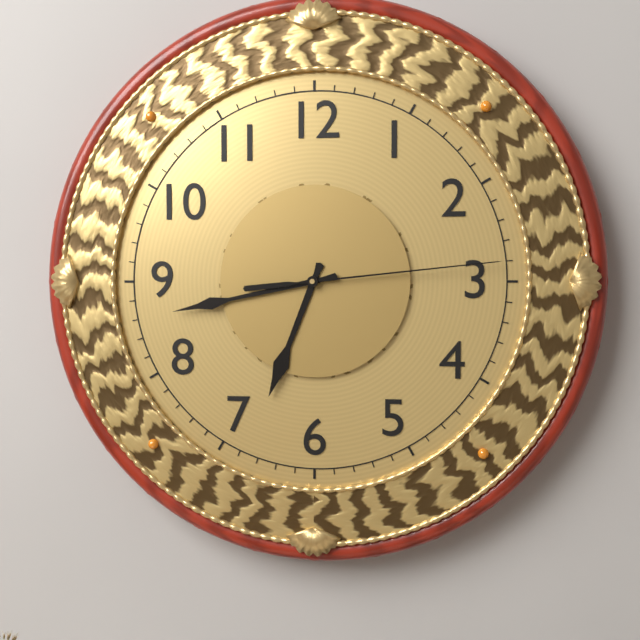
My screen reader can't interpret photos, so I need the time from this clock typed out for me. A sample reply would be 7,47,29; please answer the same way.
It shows 6,43,14
